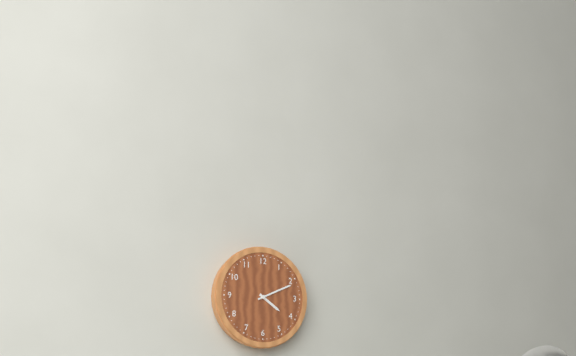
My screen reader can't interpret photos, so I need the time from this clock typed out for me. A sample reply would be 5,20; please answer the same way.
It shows 4,11
